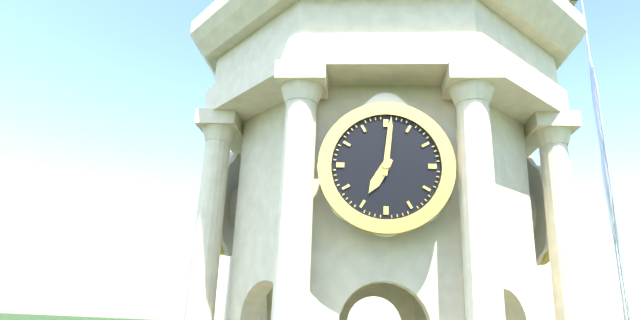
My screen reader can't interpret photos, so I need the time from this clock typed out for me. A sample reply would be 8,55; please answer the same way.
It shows 7,01
